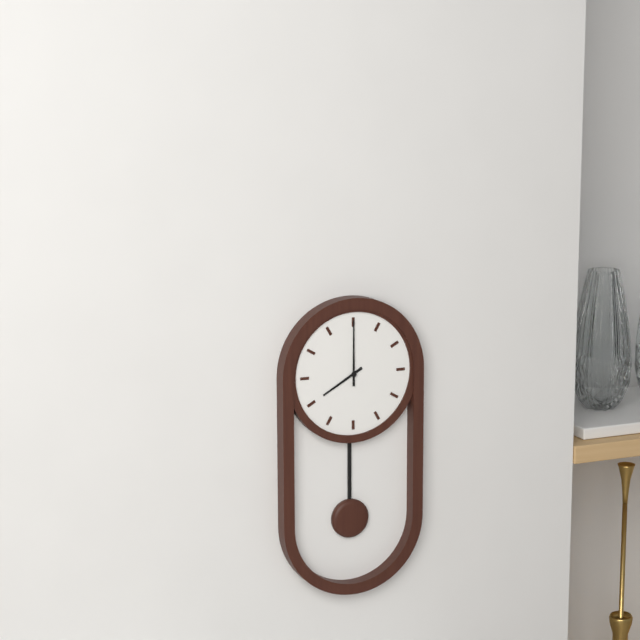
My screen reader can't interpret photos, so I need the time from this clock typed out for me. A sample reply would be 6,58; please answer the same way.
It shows 8,00
